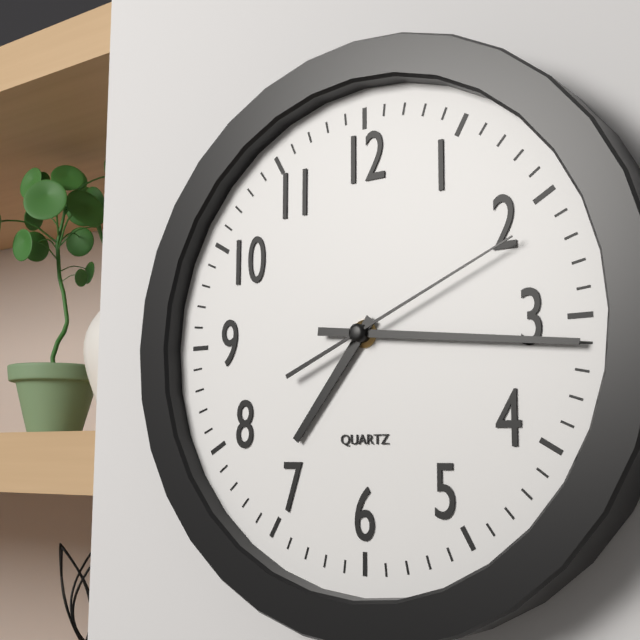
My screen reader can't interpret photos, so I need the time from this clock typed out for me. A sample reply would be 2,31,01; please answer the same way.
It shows 7,16,11
